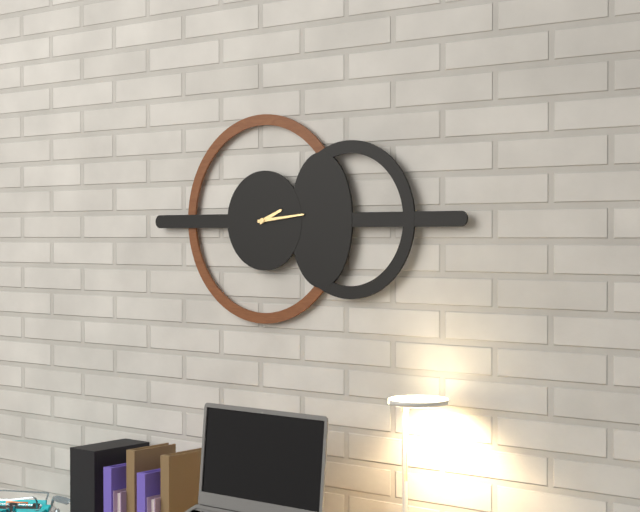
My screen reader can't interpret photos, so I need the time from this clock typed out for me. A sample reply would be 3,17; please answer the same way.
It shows 2,14
